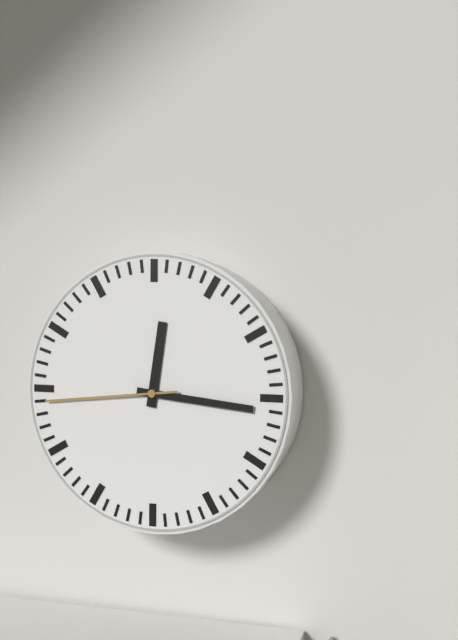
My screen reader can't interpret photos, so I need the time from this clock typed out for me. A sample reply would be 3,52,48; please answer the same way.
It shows 12,16,44
